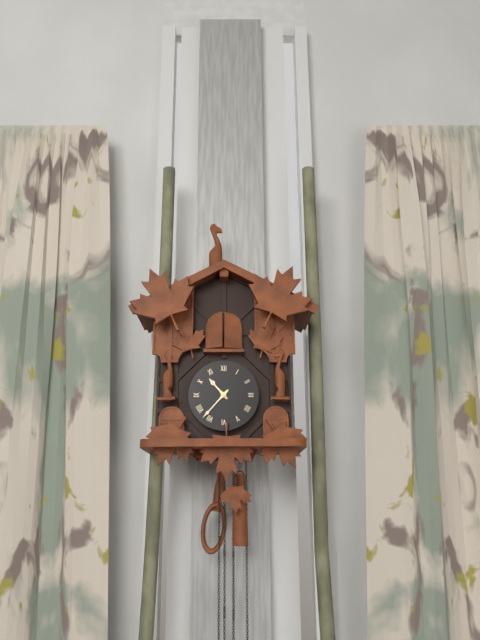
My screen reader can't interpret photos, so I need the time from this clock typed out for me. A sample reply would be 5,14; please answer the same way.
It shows 10,37
